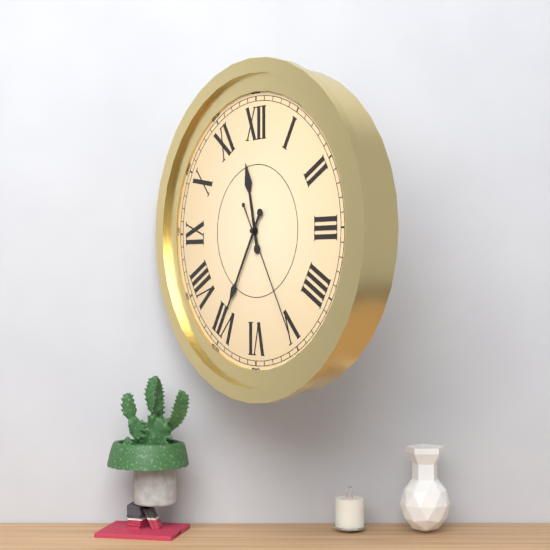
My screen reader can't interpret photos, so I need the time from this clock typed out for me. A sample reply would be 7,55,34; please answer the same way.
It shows 11,35,25
